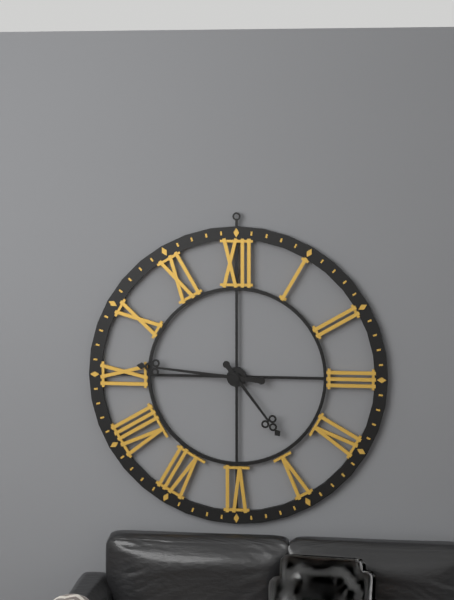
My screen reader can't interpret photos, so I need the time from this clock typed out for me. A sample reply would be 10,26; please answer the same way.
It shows 4,46
